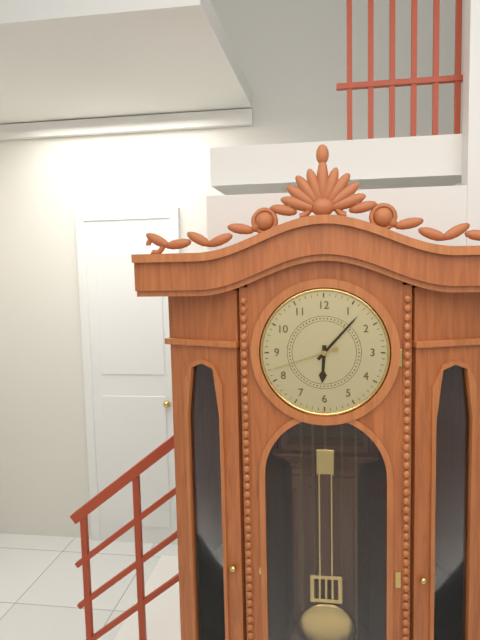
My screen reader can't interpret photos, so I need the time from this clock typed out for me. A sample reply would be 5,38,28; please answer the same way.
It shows 6,07,42
